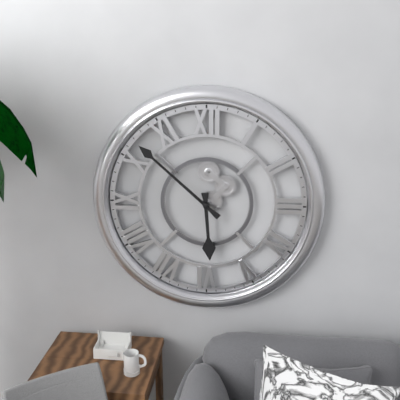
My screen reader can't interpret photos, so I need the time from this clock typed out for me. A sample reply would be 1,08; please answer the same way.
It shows 5,52
